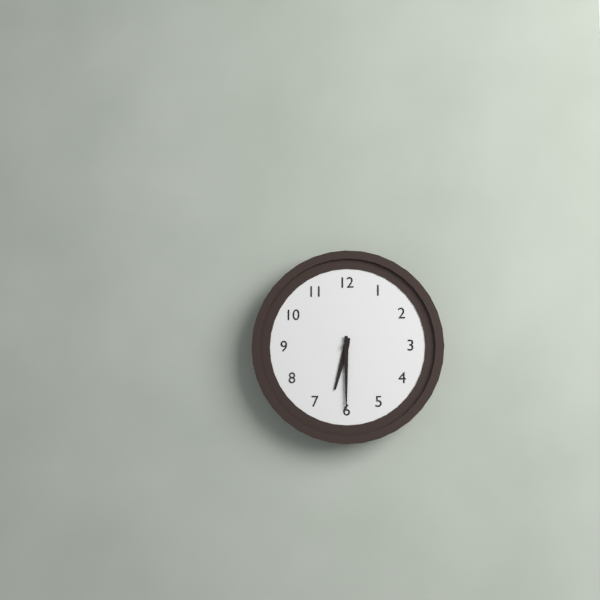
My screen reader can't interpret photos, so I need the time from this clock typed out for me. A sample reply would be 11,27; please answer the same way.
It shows 6,30
